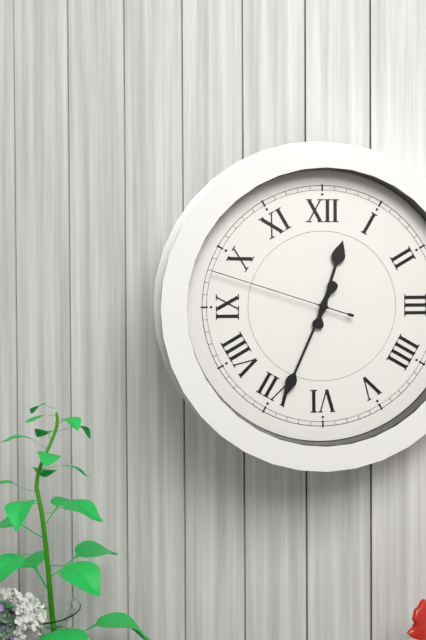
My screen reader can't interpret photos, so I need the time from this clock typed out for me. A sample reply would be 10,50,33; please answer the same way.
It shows 12,34,48
